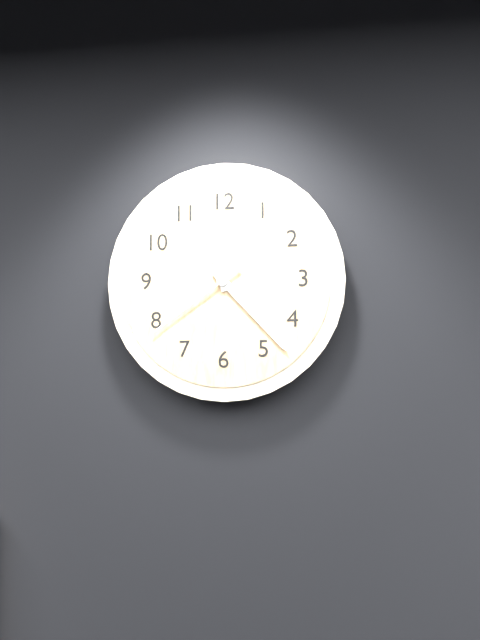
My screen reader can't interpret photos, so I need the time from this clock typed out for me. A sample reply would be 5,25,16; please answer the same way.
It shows 11,23,39
